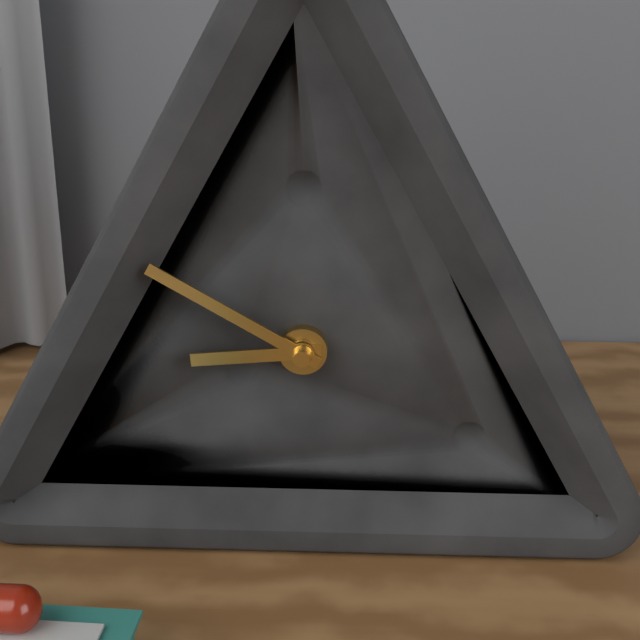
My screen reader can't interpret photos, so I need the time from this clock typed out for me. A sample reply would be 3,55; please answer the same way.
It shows 8,50
